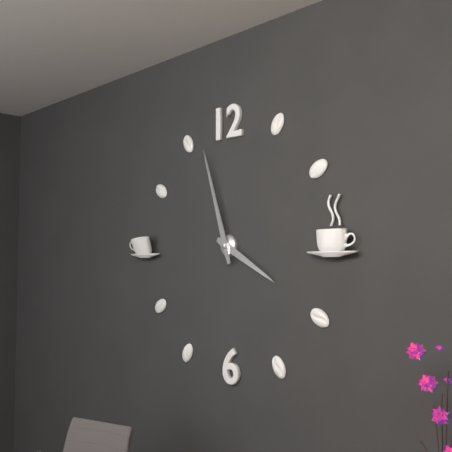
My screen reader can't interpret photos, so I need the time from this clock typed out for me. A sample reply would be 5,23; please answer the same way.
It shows 3,57
